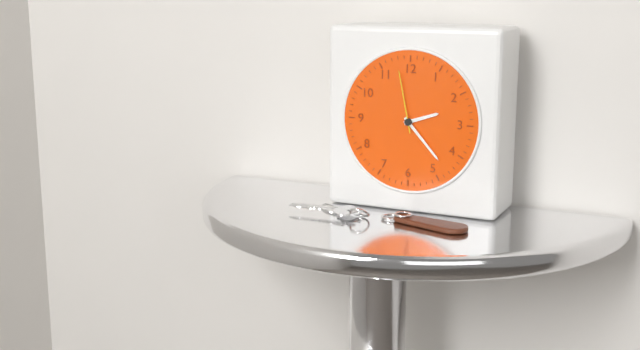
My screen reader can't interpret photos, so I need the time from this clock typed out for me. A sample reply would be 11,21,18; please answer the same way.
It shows 2,23,58
